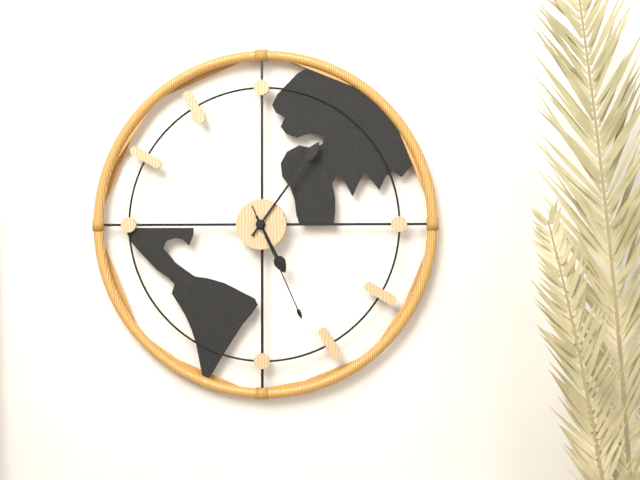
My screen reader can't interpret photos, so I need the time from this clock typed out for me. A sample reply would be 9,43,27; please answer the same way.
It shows 5,06,26
